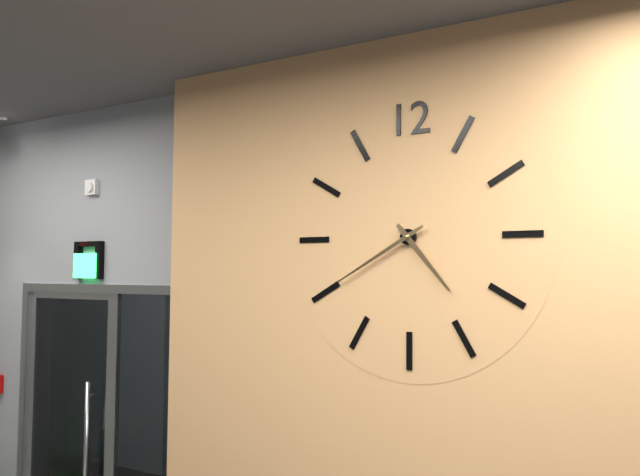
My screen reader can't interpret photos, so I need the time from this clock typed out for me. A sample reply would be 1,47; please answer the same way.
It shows 4,40
